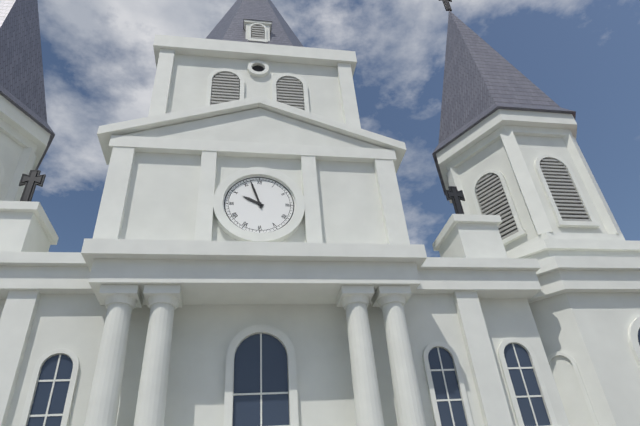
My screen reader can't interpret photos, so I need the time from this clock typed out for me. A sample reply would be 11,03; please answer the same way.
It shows 9,57
